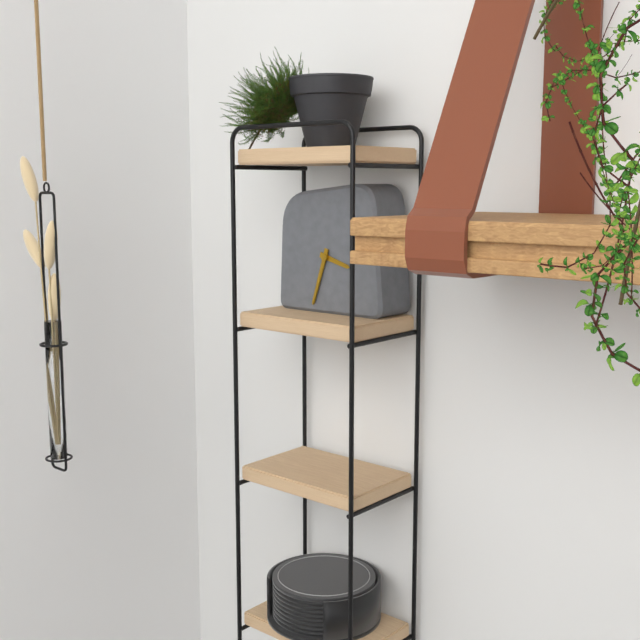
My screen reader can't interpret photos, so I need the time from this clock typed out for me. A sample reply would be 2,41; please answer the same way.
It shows 3,33
